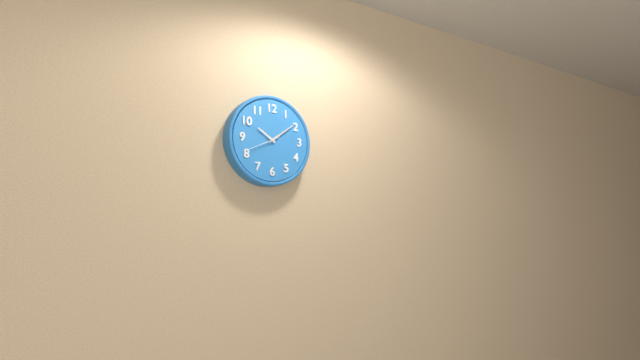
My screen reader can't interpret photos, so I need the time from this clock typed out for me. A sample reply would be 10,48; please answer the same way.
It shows 10,09
